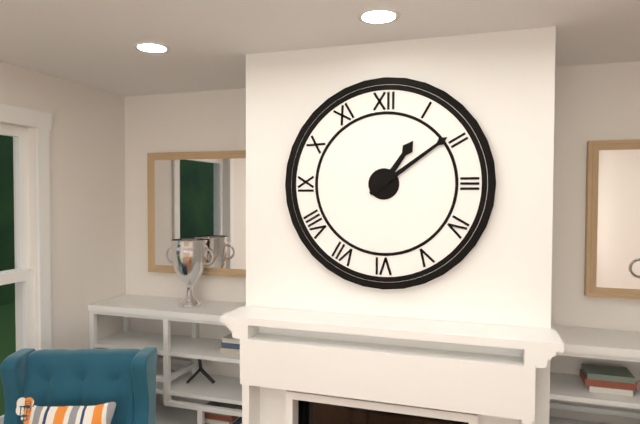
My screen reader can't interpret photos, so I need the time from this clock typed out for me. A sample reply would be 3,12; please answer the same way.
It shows 1,09
